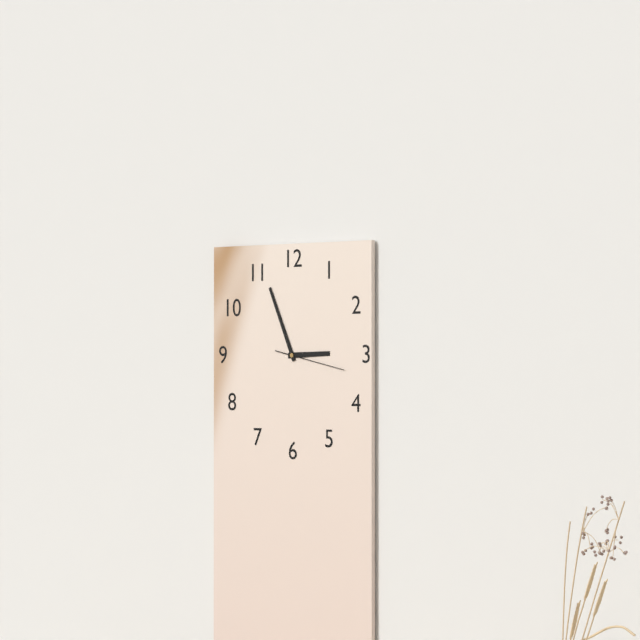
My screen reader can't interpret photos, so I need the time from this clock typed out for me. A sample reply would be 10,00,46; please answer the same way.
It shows 2,56,17
